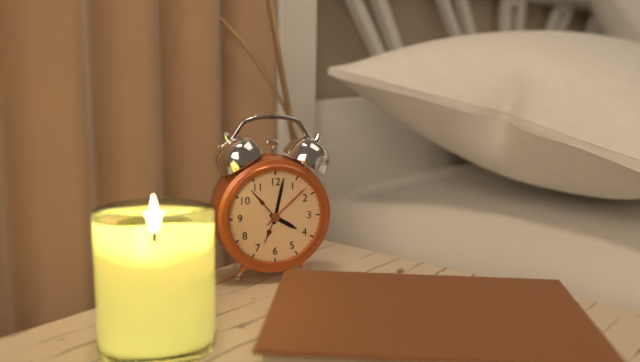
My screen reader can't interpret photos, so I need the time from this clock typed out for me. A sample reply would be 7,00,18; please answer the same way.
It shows 4,02,08
